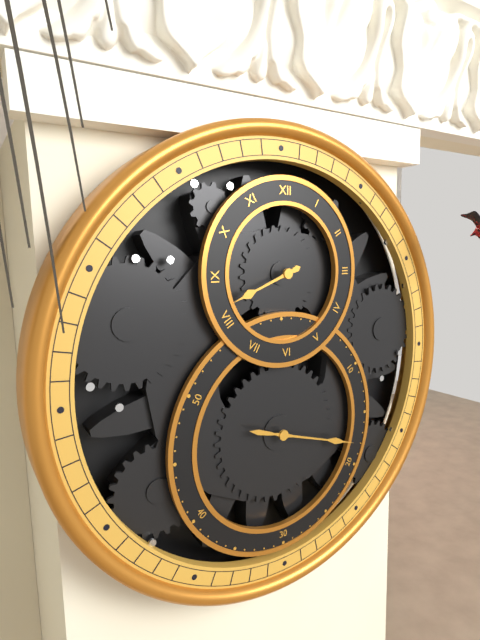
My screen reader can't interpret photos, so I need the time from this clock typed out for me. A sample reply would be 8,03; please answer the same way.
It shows 8,18
